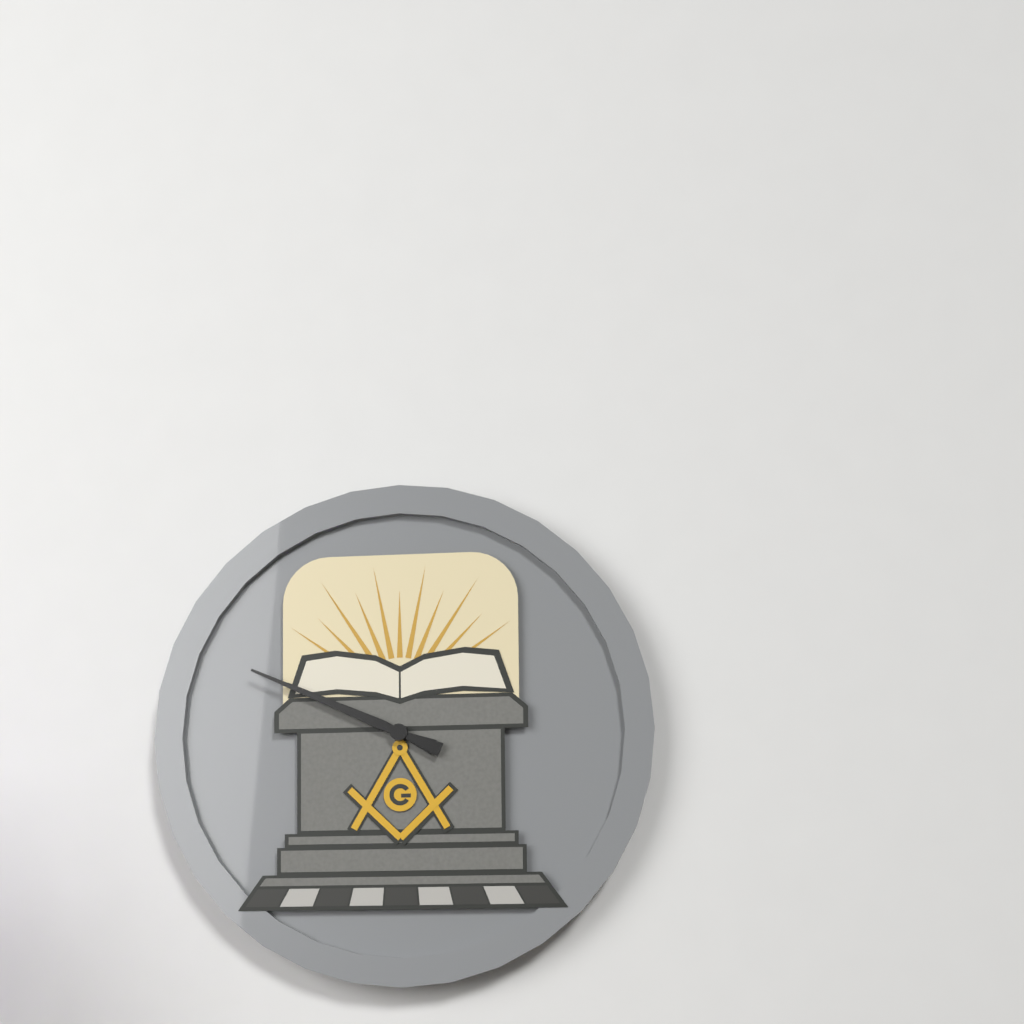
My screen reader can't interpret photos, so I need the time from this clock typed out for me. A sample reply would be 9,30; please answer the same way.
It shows 9,49
